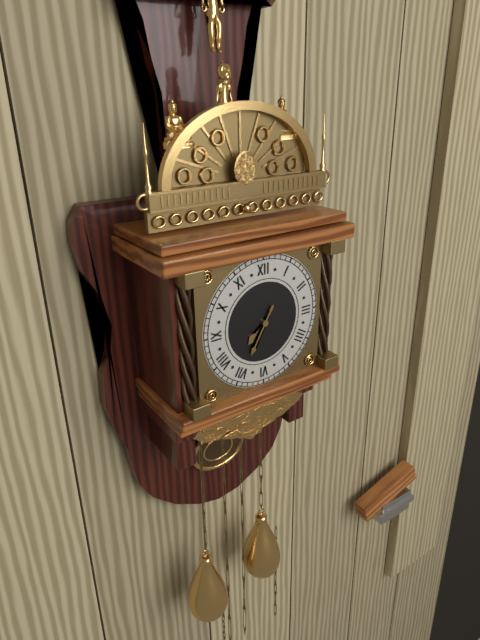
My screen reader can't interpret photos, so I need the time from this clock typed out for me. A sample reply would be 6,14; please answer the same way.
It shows 7,35
